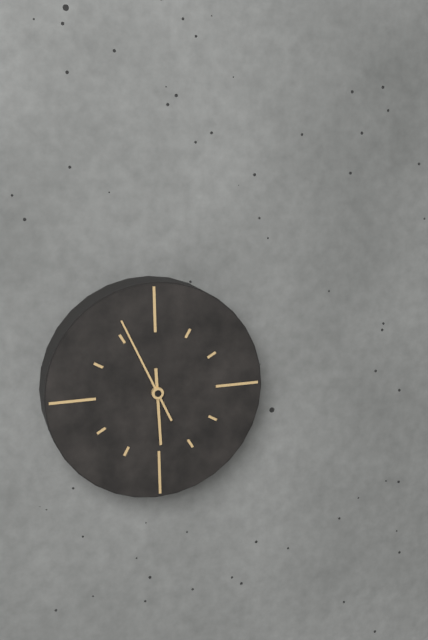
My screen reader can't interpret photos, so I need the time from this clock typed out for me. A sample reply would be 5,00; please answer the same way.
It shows 5,56
